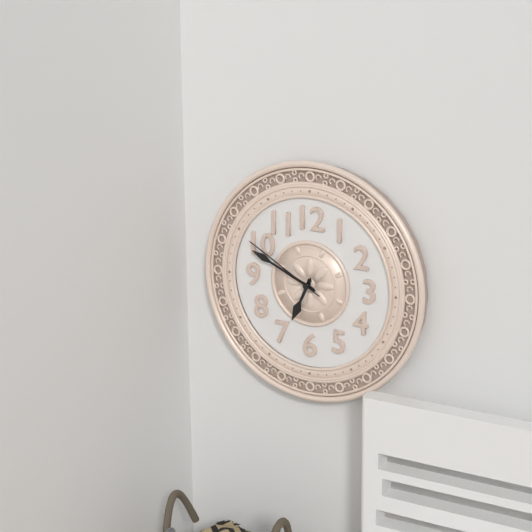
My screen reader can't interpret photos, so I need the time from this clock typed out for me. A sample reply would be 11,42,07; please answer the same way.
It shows 6,49,50
